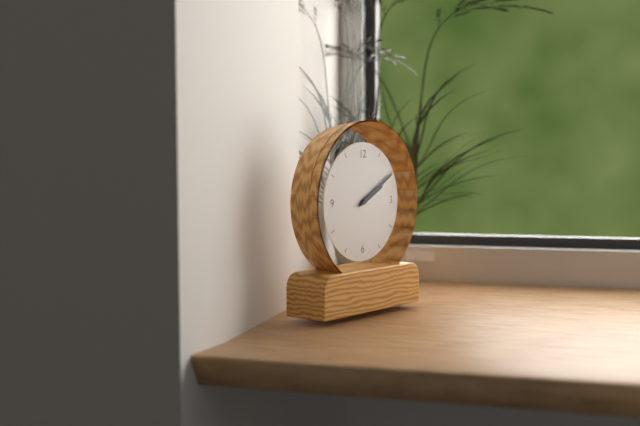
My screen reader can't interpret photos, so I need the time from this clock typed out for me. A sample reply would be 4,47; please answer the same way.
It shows 2,10
